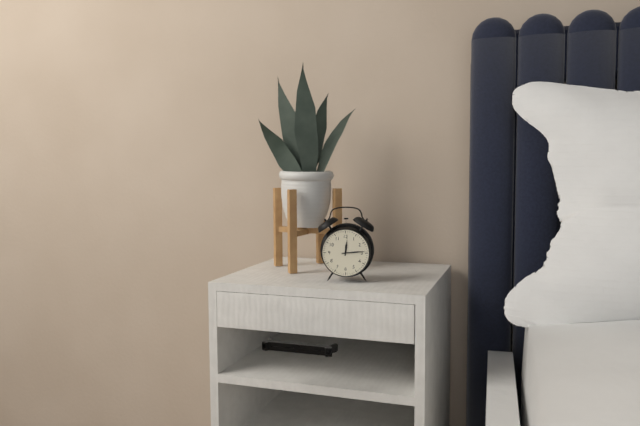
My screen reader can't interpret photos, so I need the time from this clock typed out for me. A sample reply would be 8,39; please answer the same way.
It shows 12,14
